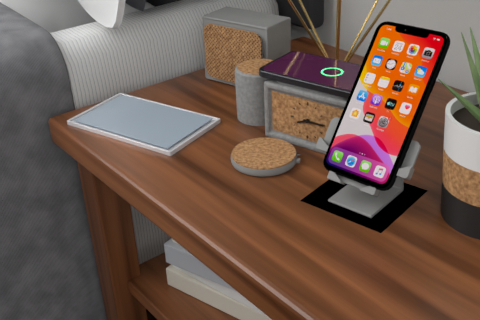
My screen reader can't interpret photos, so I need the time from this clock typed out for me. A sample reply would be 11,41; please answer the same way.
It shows 8,15
